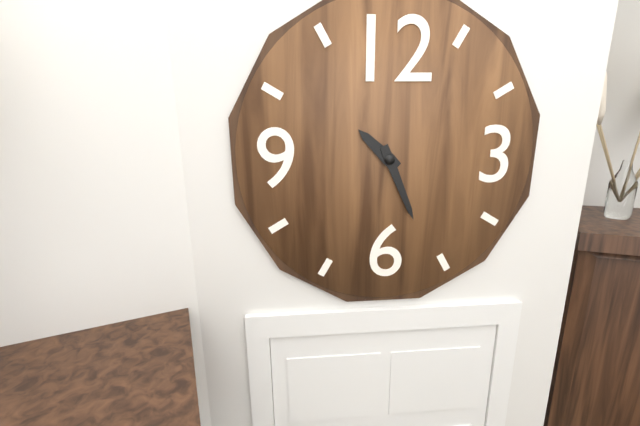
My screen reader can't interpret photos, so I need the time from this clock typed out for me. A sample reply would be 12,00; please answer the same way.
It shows 10,26
